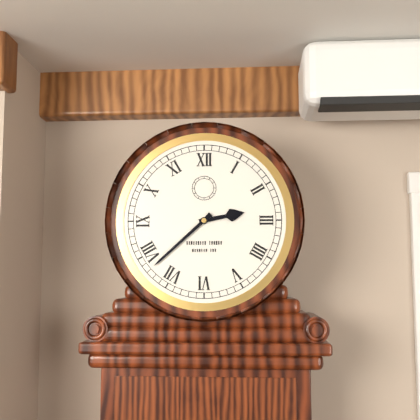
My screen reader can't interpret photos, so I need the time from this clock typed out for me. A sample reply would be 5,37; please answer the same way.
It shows 2,38
